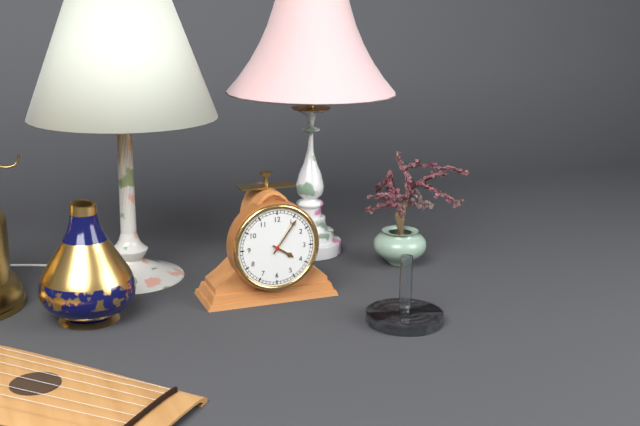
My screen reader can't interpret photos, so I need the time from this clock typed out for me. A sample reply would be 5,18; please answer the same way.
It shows 4,06
